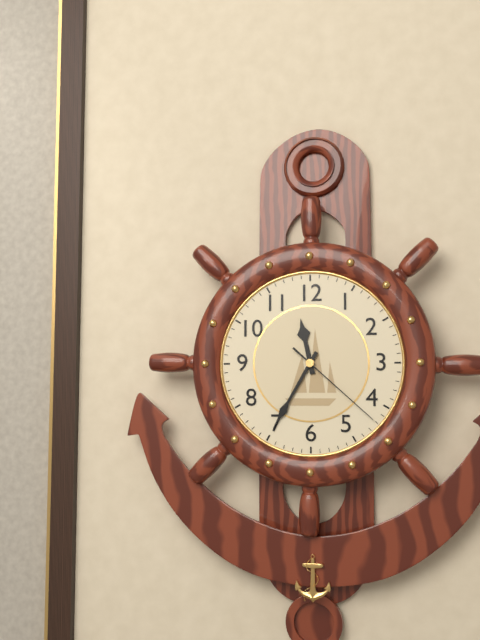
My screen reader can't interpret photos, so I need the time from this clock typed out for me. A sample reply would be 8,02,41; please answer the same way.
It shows 11,35,22
